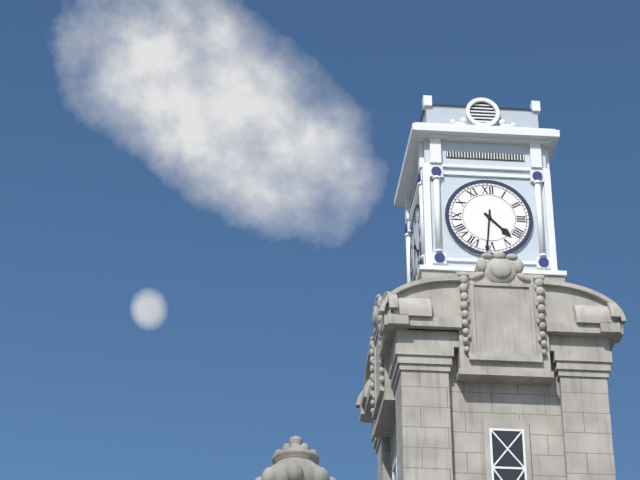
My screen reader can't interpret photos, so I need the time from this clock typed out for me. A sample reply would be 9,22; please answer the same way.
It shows 4,31
